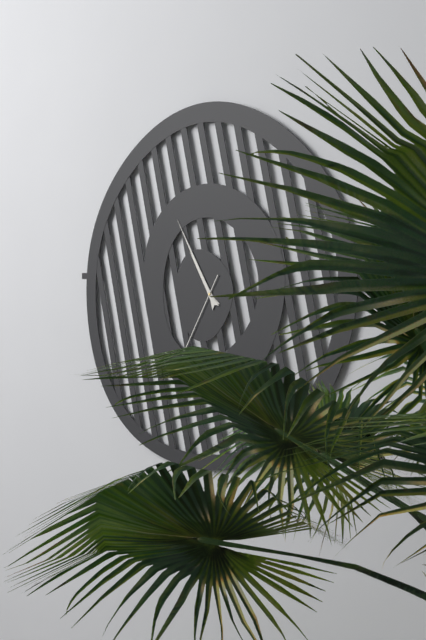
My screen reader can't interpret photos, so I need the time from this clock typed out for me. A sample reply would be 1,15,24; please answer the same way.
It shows 10,55,35
